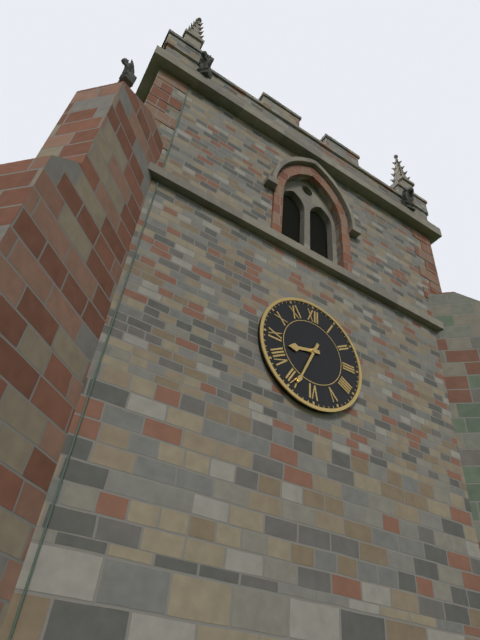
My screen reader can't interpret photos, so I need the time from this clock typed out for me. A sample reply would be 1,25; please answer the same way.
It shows 8,34
